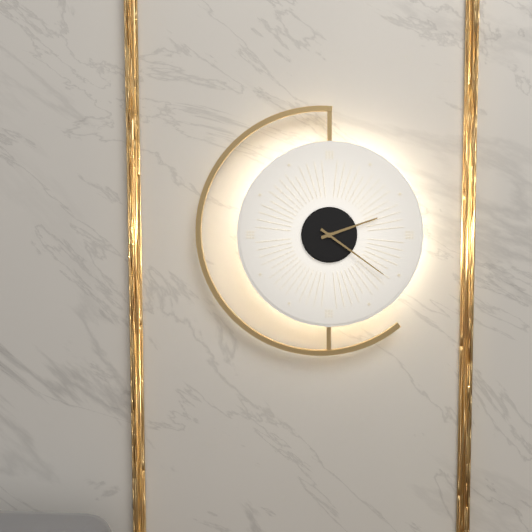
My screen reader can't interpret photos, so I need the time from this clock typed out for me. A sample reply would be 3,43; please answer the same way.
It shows 2,21
